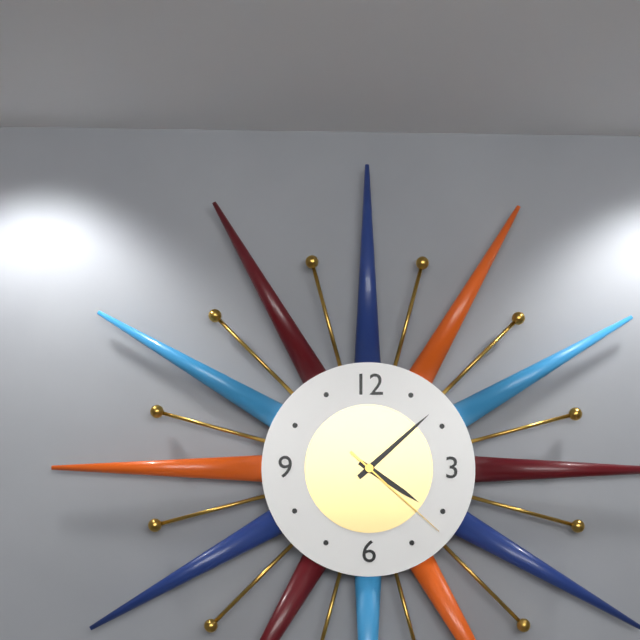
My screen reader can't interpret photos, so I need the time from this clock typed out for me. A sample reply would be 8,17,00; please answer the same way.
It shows 4,08,22
